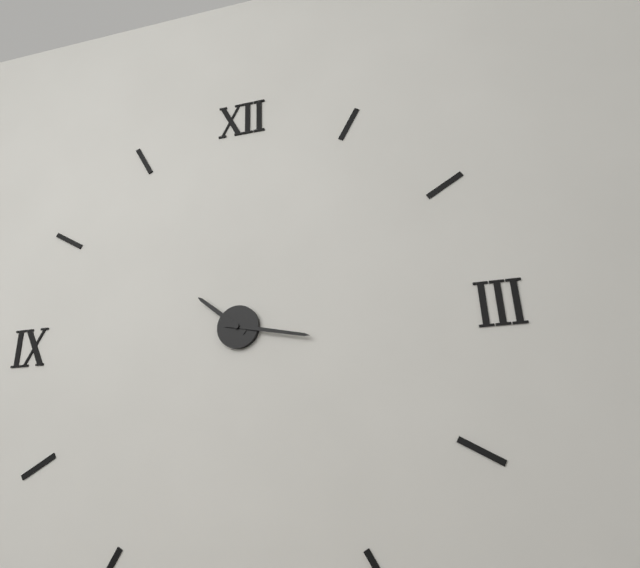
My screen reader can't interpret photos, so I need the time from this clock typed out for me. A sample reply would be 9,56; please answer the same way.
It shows 10,17
